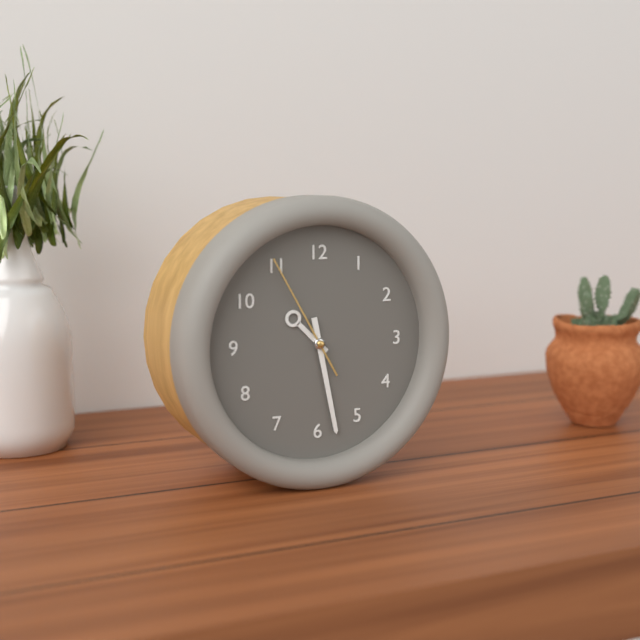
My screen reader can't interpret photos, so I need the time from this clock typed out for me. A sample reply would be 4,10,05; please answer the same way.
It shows 10,28,55
